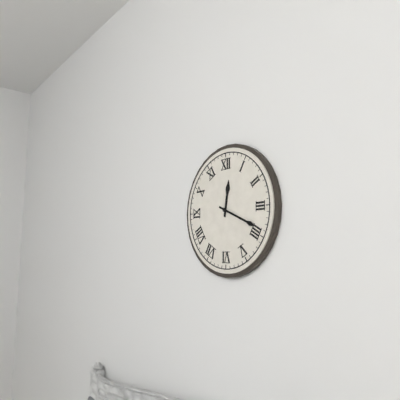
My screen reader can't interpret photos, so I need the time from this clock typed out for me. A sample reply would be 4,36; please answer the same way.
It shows 12,19
